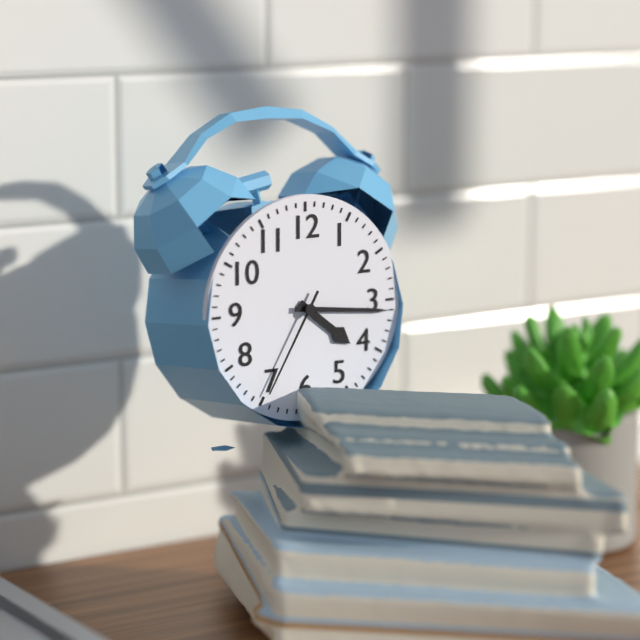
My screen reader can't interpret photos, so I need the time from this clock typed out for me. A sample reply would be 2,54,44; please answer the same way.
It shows 4,16,35
